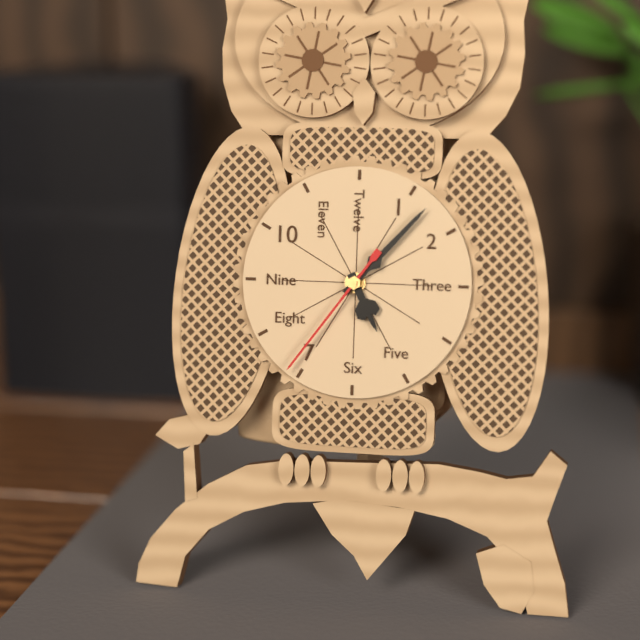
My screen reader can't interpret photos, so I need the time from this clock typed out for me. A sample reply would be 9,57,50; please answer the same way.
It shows 5,07,36
